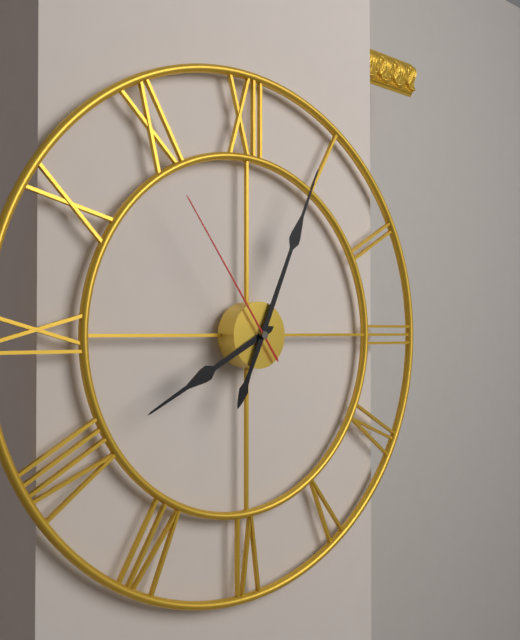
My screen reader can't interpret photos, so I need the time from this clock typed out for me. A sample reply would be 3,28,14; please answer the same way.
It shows 8,04,54
